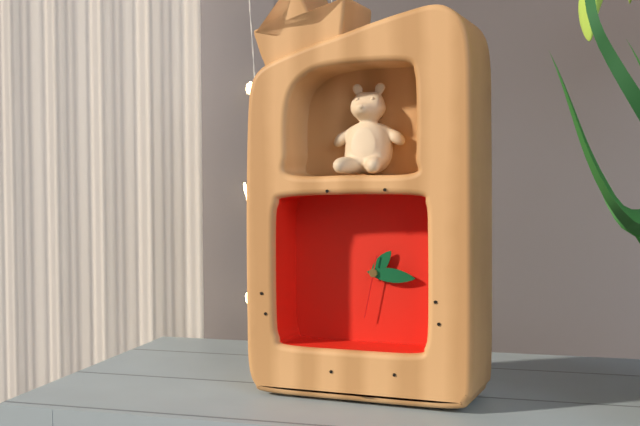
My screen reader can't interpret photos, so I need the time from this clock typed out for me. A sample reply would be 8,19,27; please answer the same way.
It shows 1,16,32
